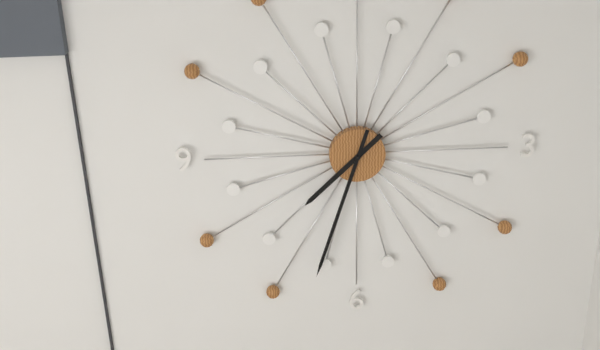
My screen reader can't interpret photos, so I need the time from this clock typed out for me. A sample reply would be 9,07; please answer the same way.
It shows 7,33
